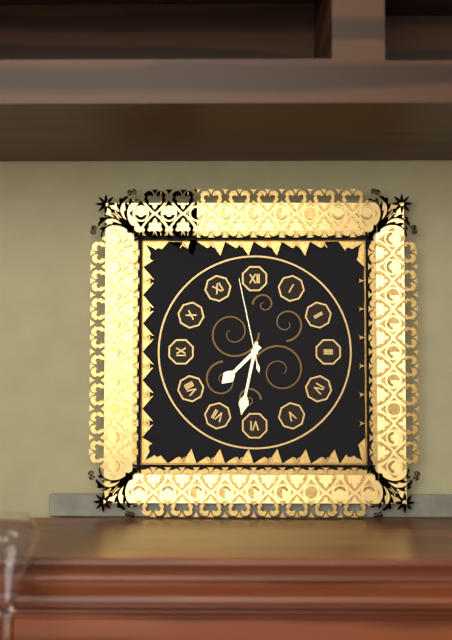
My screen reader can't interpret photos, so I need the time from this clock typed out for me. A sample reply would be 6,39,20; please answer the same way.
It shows 7,32,58
